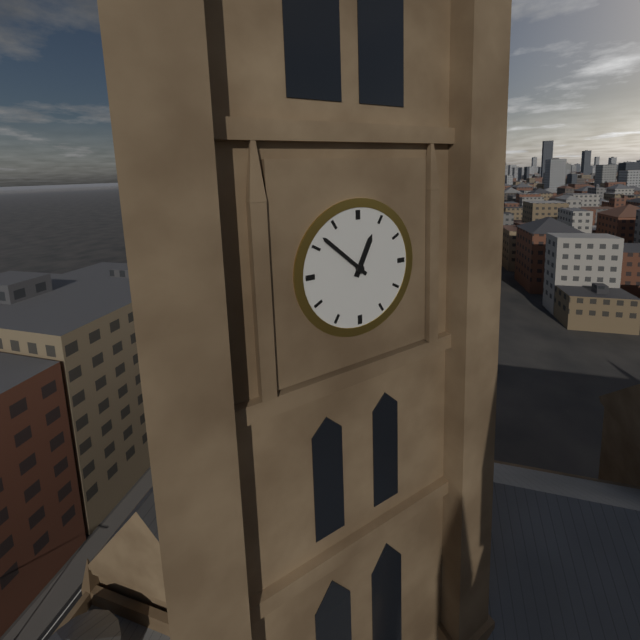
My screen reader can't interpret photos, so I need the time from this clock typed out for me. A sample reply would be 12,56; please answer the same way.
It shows 12,52
